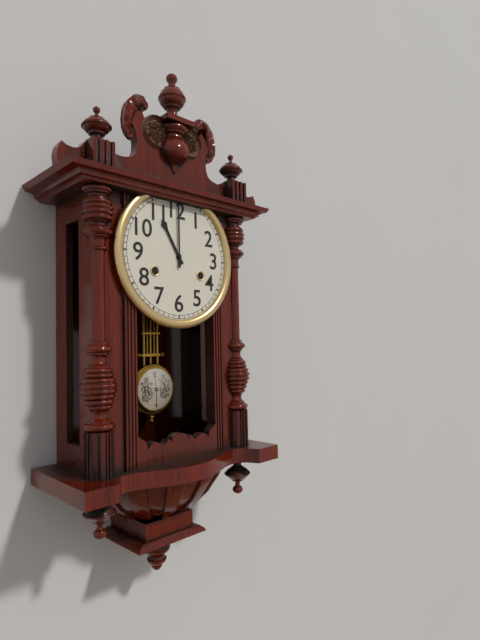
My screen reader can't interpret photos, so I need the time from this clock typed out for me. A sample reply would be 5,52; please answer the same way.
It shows 11,00
